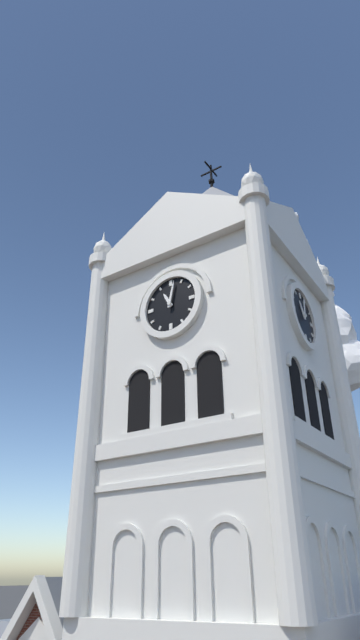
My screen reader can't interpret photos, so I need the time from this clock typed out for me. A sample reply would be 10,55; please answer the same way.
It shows 11,02
